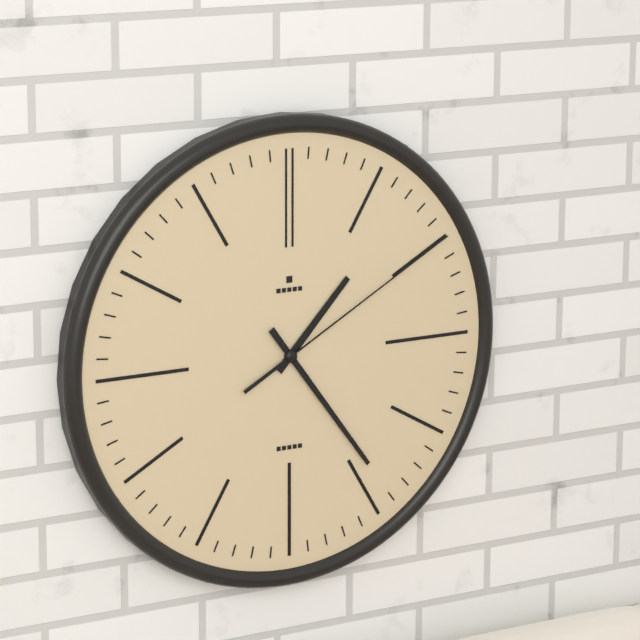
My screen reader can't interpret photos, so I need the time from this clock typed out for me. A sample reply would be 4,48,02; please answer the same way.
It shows 1,24,10
